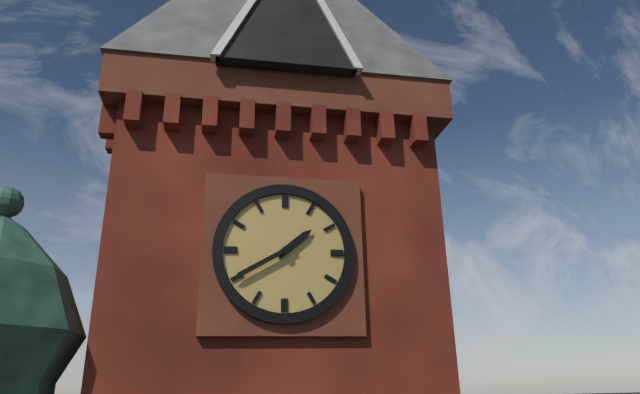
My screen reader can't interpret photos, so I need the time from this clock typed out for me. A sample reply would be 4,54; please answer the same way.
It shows 1,40
